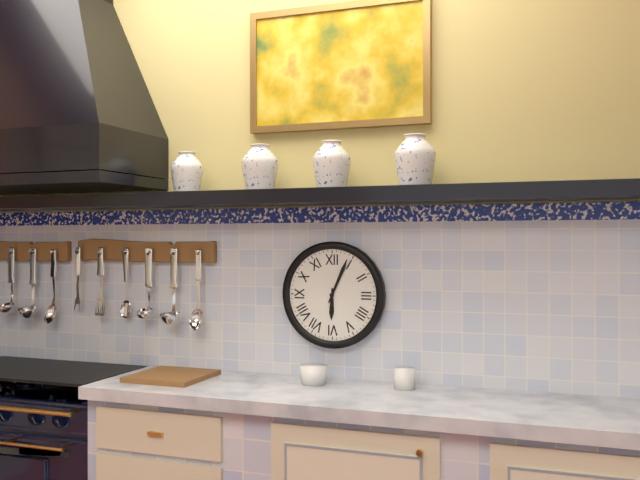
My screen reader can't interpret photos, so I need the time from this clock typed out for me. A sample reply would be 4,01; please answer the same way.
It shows 6,04
